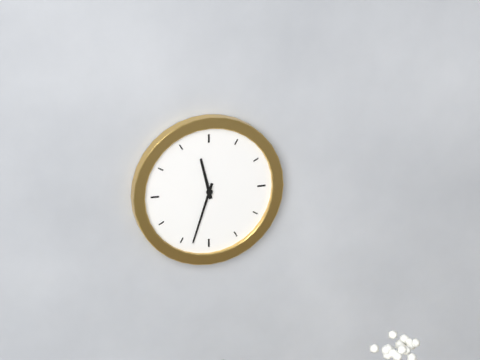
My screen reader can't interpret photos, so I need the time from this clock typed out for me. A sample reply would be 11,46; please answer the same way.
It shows 11,33
